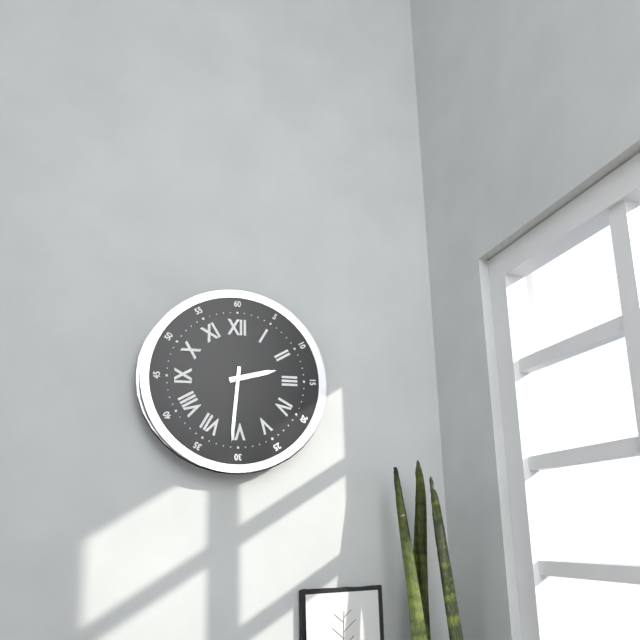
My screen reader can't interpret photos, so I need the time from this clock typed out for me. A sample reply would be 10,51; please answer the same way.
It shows 2,31
